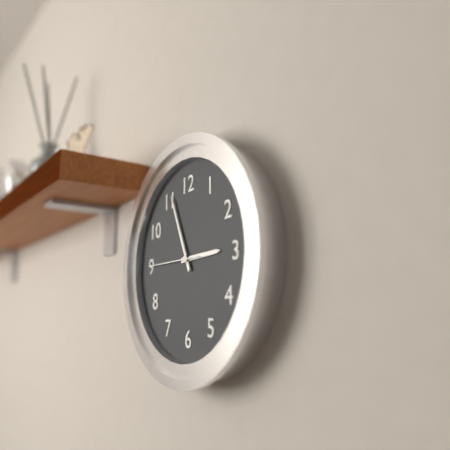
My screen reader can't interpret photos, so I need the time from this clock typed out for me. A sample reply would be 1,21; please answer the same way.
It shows 2,56
